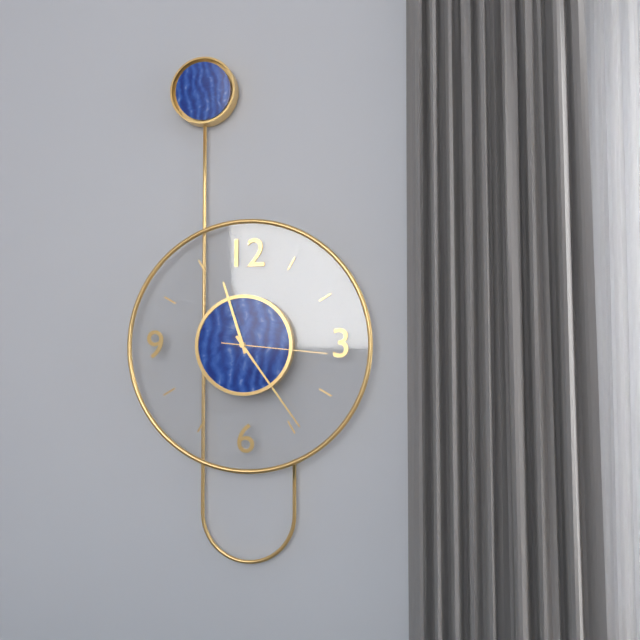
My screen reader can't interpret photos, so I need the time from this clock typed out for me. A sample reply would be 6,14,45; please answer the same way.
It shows 11,24,16
